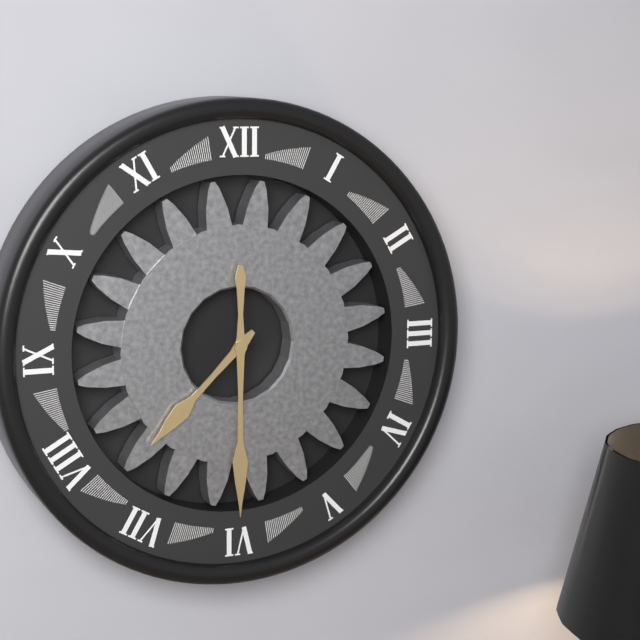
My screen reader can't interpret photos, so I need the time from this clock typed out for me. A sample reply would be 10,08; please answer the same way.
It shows 7,30
